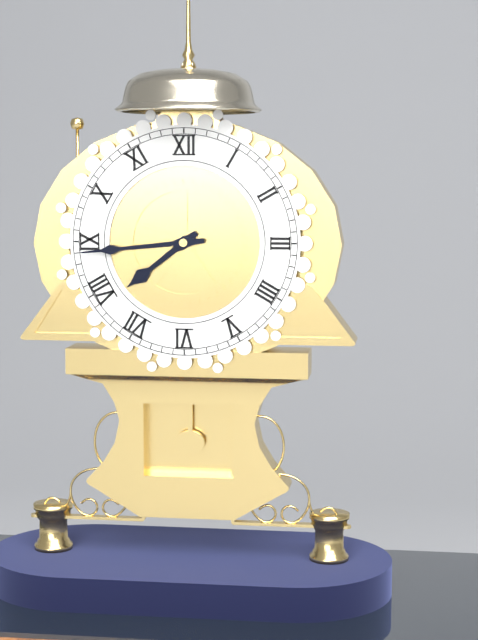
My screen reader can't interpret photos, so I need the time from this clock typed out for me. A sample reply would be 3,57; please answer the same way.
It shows 7,44
